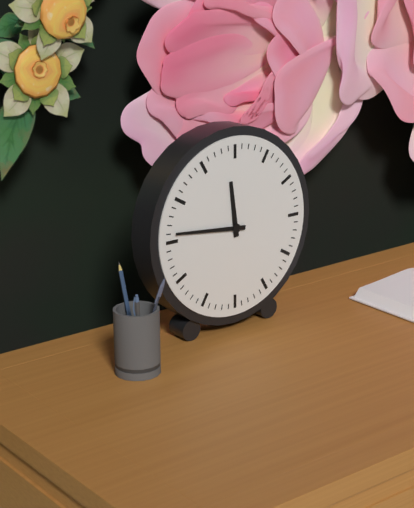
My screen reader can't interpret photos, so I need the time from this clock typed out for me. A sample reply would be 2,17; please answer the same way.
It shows 11,46
